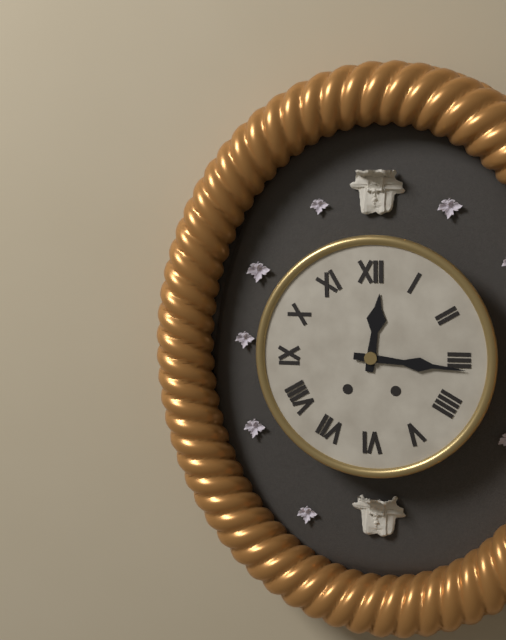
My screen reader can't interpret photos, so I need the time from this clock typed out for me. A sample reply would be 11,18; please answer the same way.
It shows 12,16
